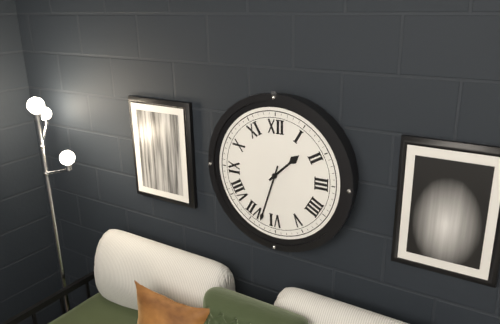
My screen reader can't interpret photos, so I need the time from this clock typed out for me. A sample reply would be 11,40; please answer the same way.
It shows 1,33
